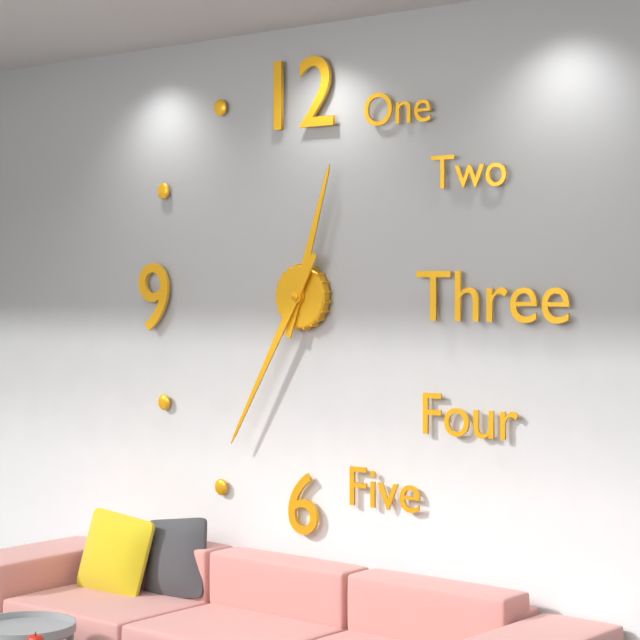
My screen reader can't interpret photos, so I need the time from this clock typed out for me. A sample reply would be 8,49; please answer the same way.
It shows 12,35
